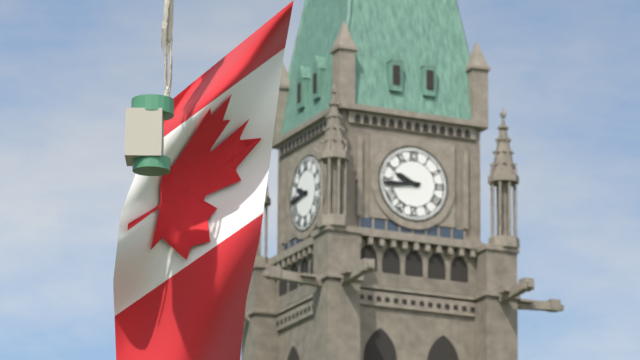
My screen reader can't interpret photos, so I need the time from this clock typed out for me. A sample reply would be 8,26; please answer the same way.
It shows 9,44
